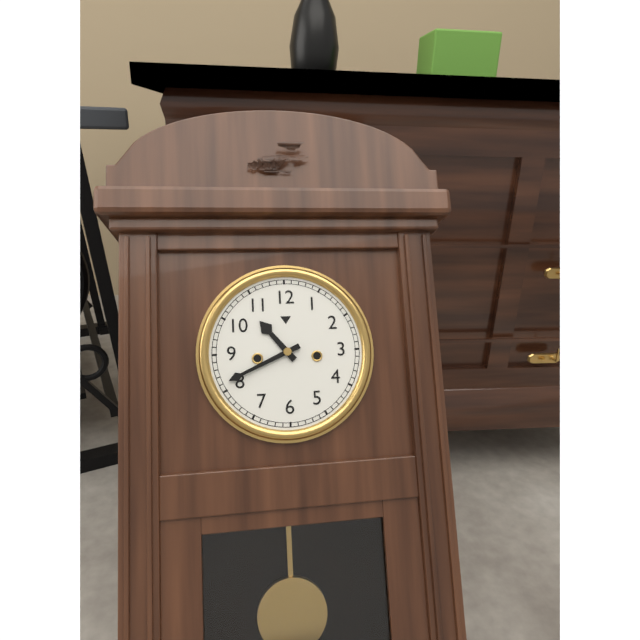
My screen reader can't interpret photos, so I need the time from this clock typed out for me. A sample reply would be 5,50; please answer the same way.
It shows 10,41
